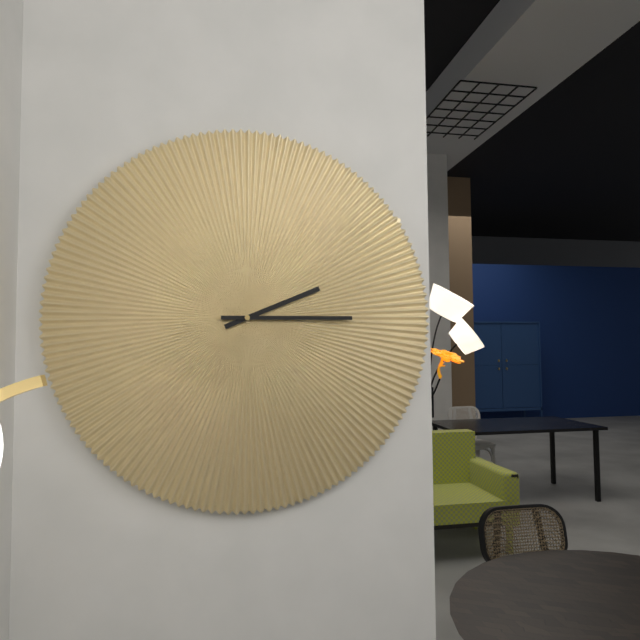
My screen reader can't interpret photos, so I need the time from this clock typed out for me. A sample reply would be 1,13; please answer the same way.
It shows 2,15
